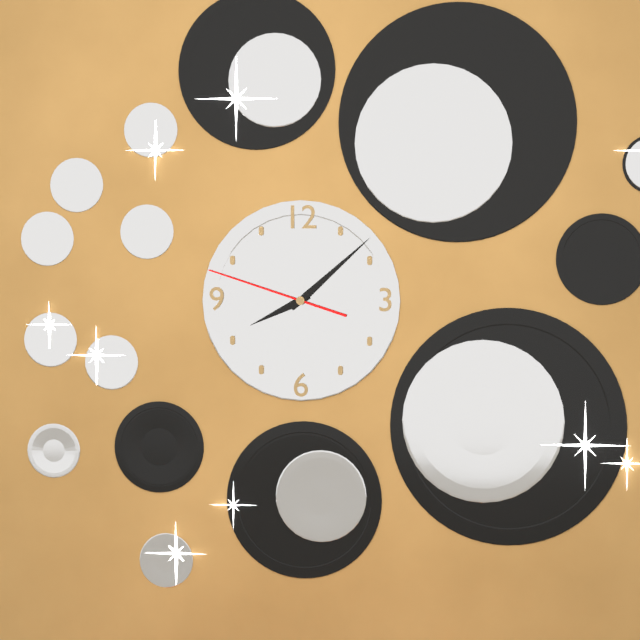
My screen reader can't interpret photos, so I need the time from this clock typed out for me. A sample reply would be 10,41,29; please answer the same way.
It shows 8,08,48
